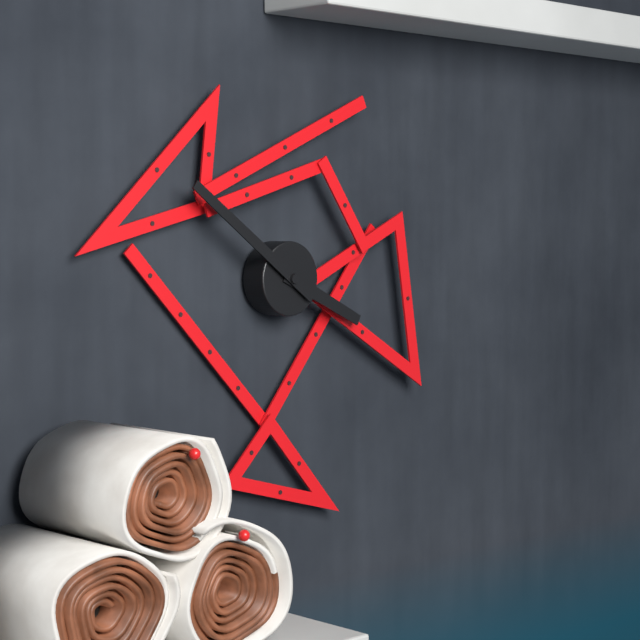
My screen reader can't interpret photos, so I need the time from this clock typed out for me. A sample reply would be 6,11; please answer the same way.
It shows 3,51
